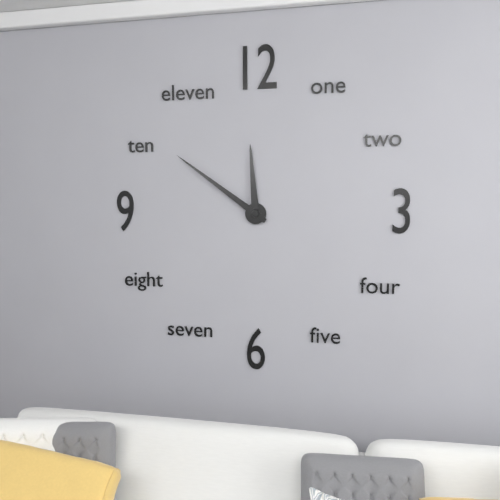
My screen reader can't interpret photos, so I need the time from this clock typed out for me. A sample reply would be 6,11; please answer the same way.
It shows 11,51
